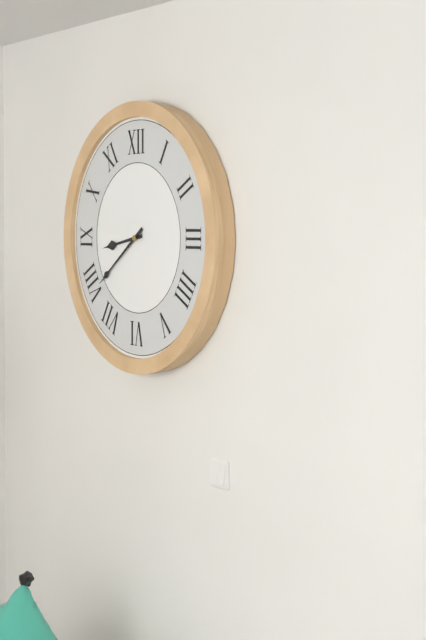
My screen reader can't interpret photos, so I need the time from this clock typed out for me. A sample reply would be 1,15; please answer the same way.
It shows 8,39
